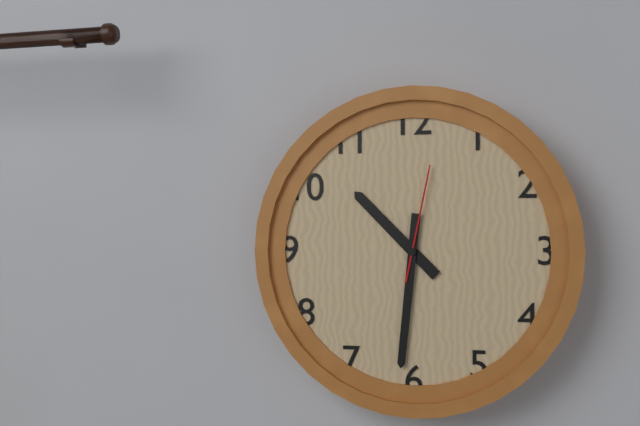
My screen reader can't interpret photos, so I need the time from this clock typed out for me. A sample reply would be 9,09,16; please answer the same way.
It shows 10,31,02
